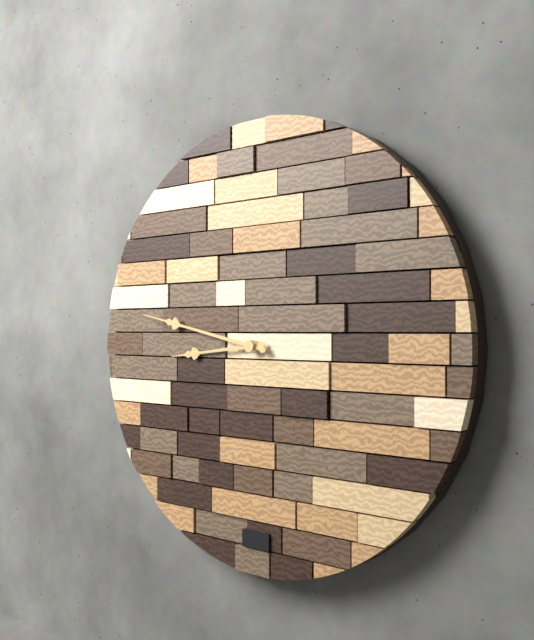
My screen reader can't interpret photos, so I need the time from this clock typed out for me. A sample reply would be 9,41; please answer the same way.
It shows 8,47
